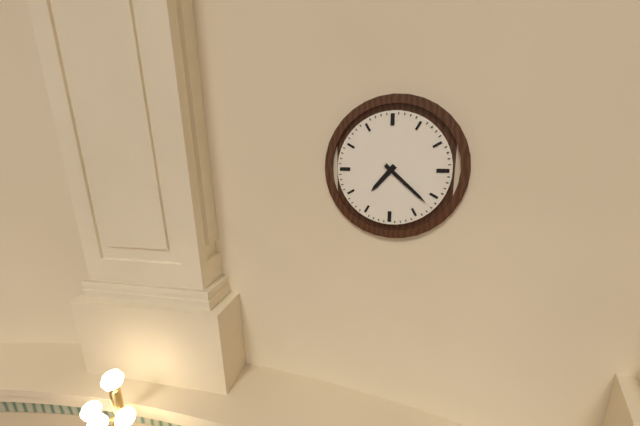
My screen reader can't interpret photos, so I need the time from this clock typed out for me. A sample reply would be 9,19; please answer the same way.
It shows 7,22
